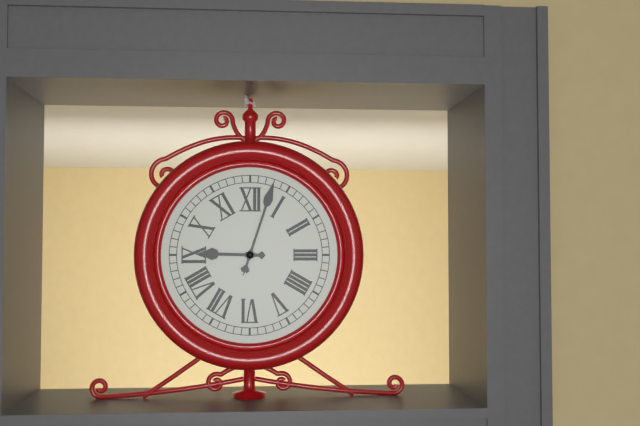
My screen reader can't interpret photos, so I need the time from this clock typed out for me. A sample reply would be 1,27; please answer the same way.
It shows 9,03
